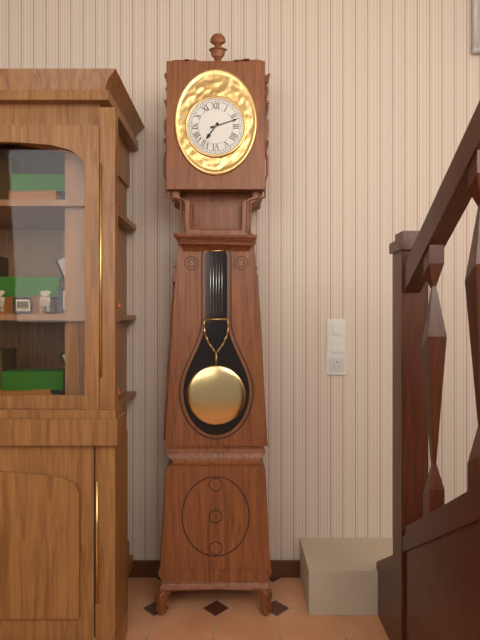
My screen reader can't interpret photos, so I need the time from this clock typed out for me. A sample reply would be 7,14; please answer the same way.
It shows 7,12
